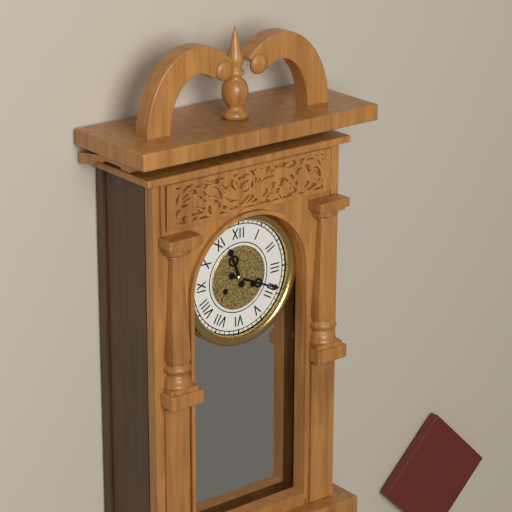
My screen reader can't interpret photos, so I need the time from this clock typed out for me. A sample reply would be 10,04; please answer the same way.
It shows 11,19
